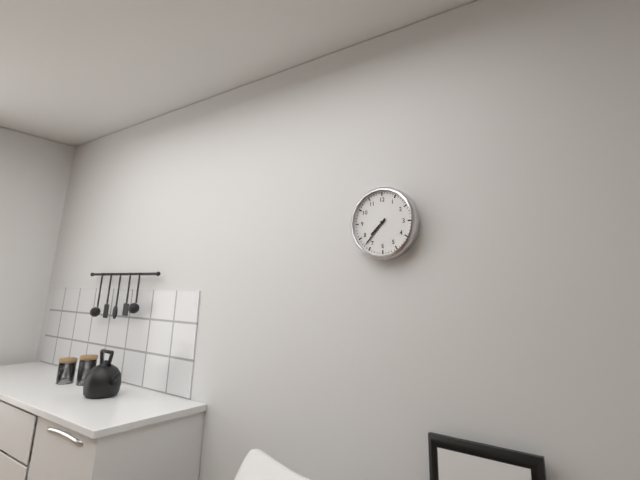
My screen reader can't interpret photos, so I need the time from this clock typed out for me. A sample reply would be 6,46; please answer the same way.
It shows 7,37
